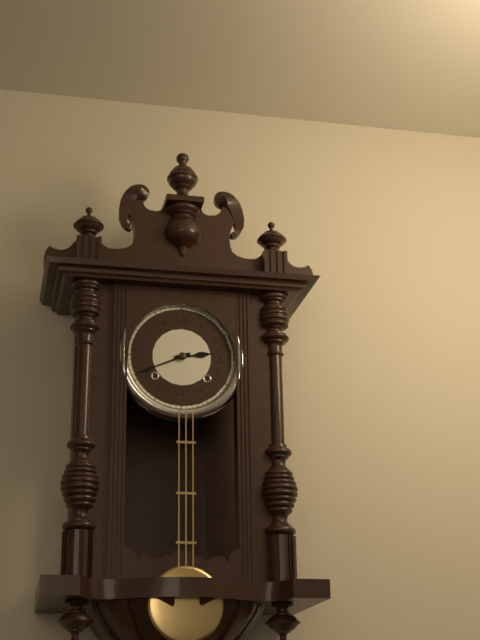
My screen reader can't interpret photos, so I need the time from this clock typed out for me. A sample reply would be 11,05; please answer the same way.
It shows 2,41
